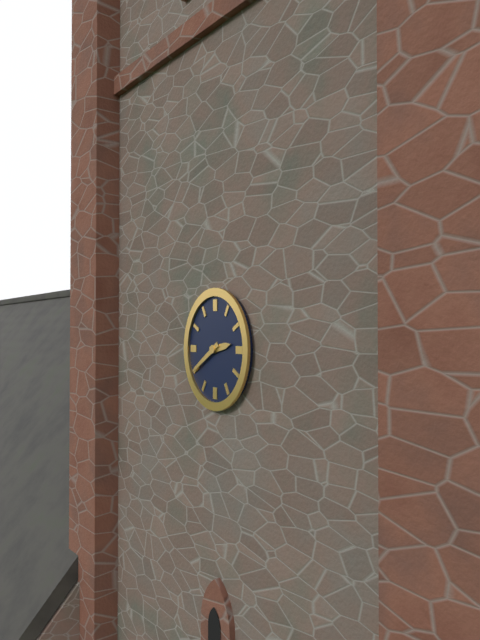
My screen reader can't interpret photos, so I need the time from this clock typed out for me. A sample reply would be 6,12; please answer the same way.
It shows 2,40
